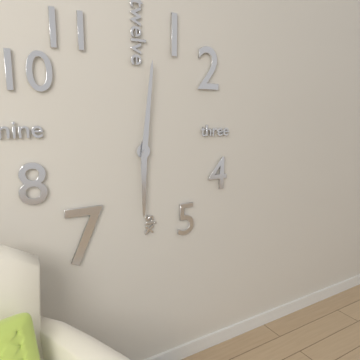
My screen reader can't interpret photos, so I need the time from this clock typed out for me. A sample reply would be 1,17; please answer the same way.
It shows 6,01
